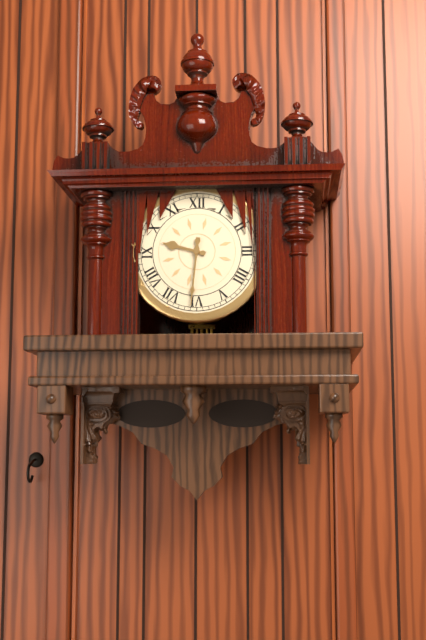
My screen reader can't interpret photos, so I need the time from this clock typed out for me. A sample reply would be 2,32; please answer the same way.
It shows 9,31
